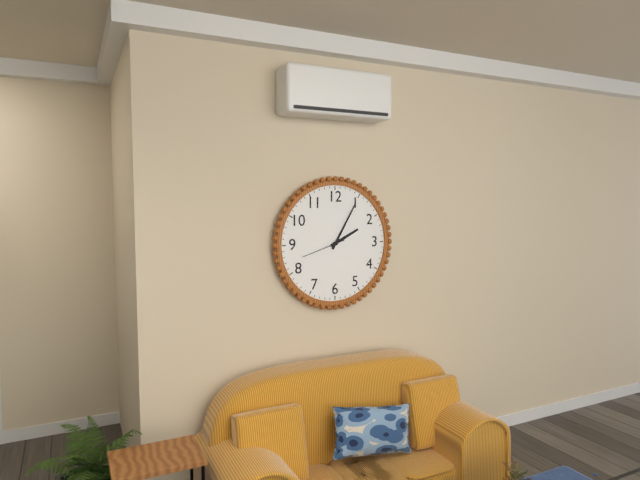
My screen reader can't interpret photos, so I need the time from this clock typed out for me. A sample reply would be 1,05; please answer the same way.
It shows 2,05
